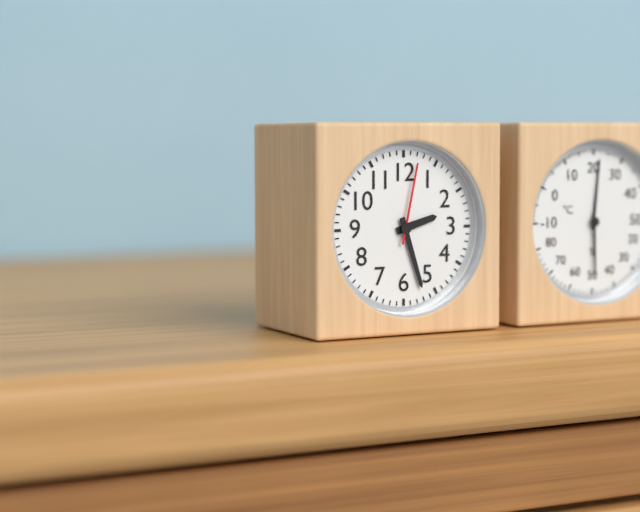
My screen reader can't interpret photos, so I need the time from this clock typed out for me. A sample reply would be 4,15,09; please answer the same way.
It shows 2,27,02
